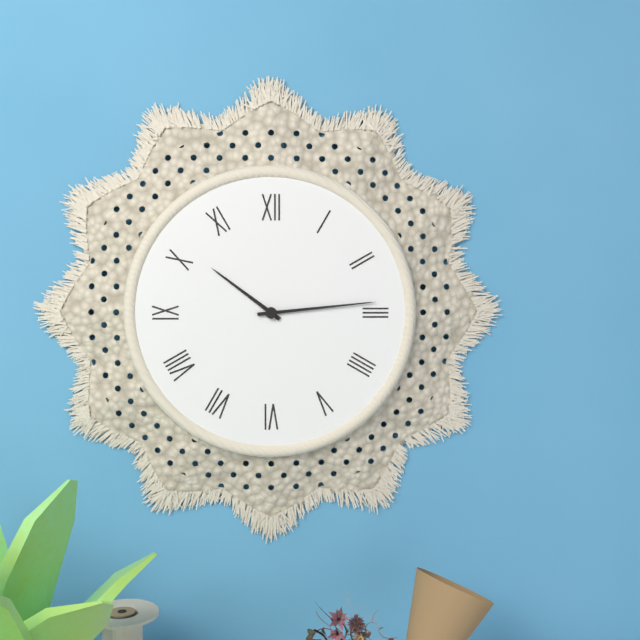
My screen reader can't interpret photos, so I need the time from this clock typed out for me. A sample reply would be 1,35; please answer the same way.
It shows 10,14
